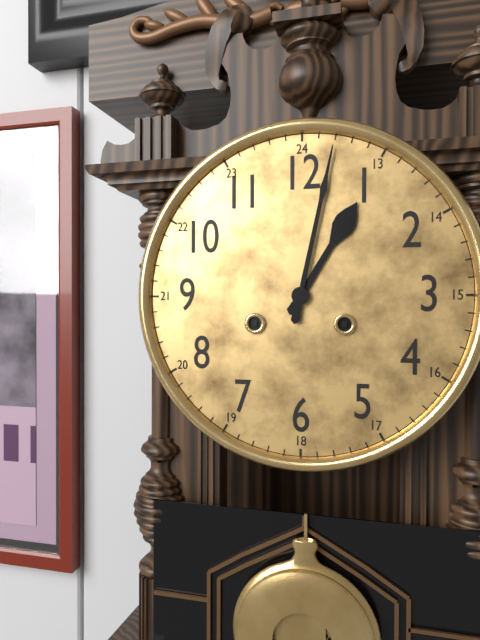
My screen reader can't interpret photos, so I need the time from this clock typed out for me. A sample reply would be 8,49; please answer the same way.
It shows 1,02
